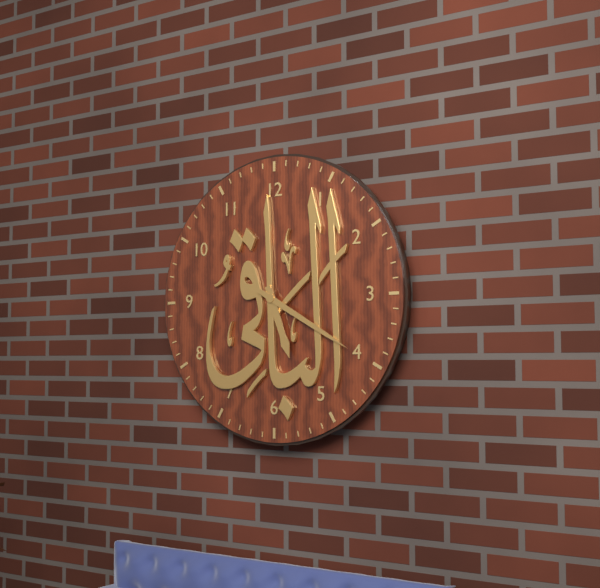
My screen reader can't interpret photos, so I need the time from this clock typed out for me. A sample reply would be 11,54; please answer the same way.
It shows 5,20
